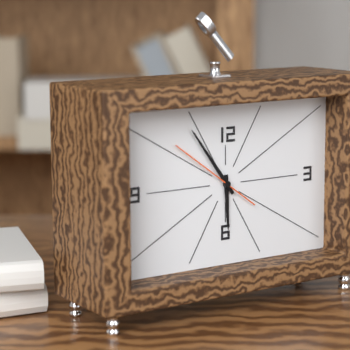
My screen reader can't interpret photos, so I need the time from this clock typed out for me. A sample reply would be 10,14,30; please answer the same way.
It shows 5,54,51
